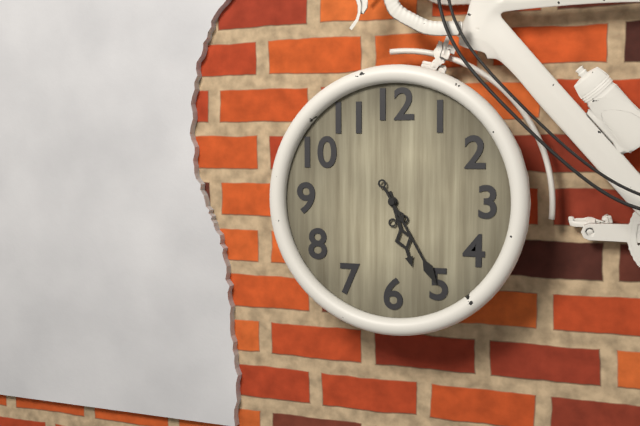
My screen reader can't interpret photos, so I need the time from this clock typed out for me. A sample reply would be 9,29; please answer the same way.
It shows 5,25
